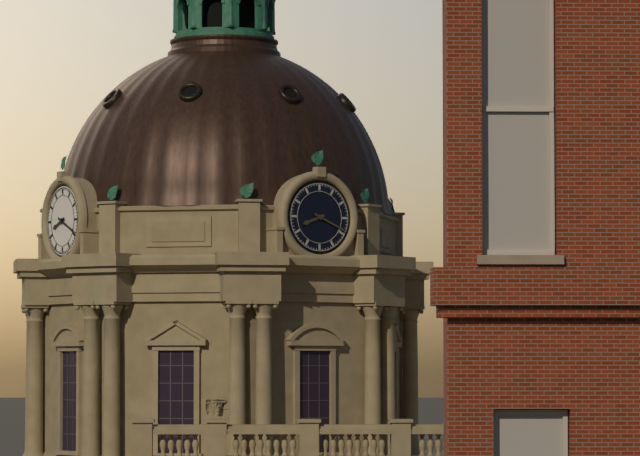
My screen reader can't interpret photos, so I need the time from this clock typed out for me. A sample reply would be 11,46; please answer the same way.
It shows 8,19
